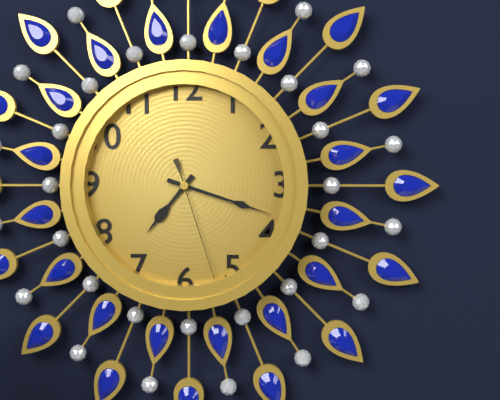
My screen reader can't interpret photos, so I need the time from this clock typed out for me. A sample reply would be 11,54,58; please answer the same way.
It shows 7,18,27
